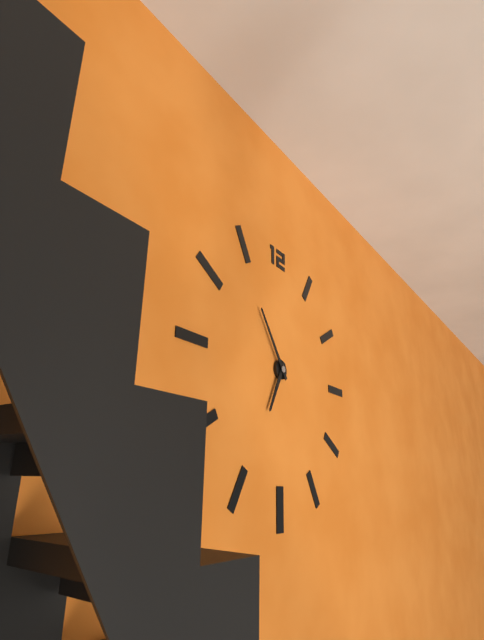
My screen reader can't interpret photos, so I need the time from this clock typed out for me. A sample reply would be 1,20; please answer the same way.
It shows 6,54
